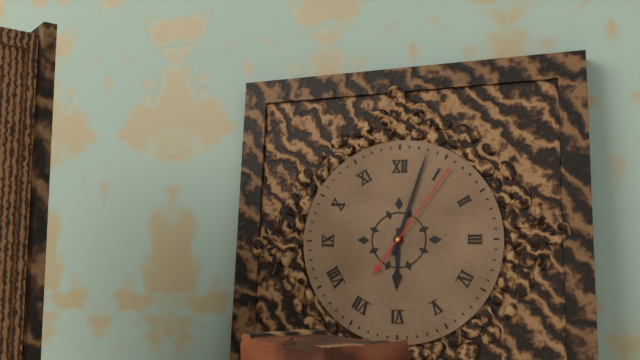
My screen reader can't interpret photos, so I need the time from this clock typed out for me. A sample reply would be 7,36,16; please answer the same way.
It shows 6,03,06
